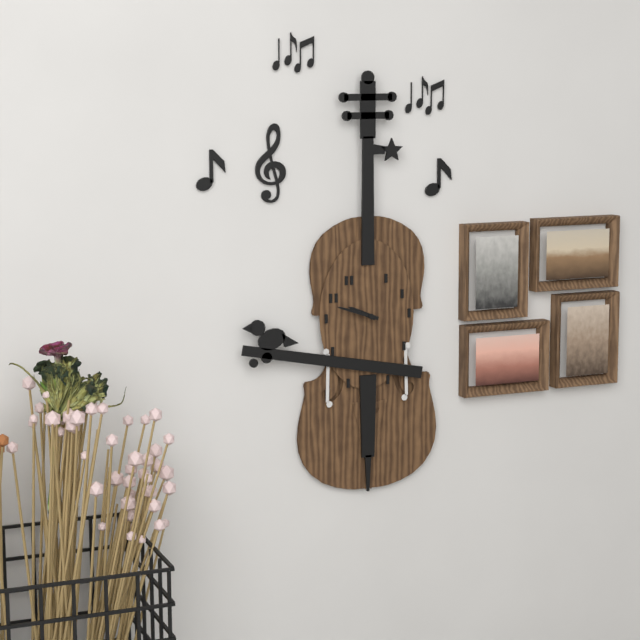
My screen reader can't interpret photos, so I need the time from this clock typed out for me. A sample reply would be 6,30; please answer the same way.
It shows 9,48
